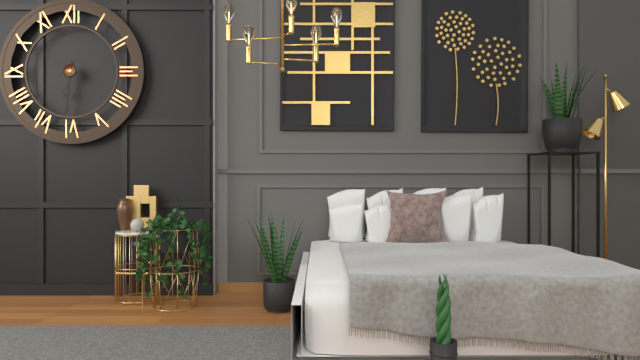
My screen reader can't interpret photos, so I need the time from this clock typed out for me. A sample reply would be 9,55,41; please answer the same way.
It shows 6,31,50
